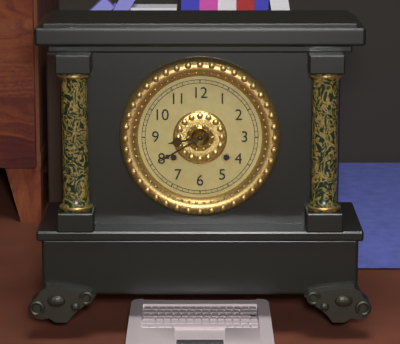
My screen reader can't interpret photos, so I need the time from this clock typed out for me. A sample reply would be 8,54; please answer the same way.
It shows 8,40
